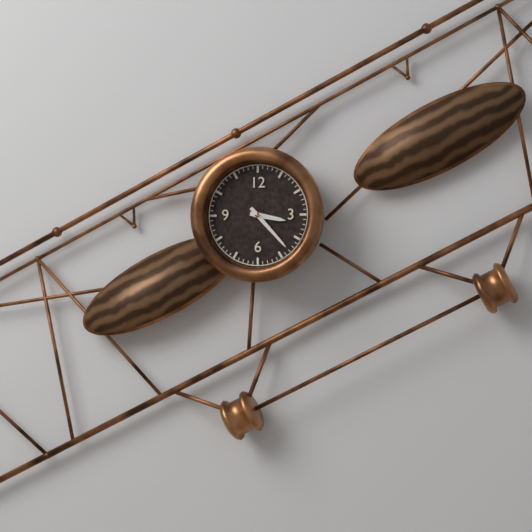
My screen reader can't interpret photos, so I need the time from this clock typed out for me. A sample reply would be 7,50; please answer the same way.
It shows 3,23
